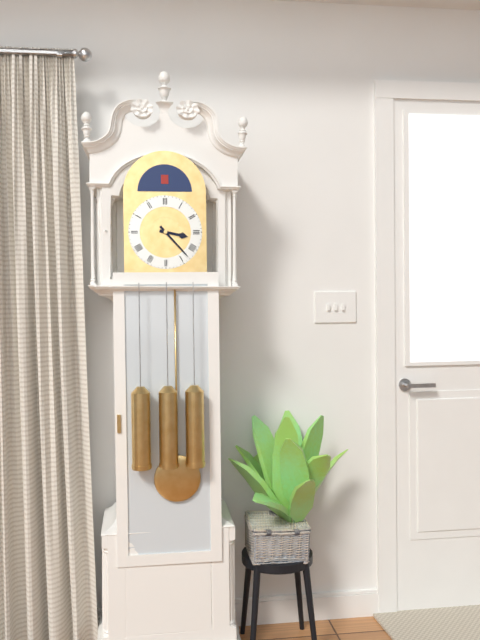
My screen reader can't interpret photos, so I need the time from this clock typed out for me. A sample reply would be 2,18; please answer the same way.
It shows 3,23
